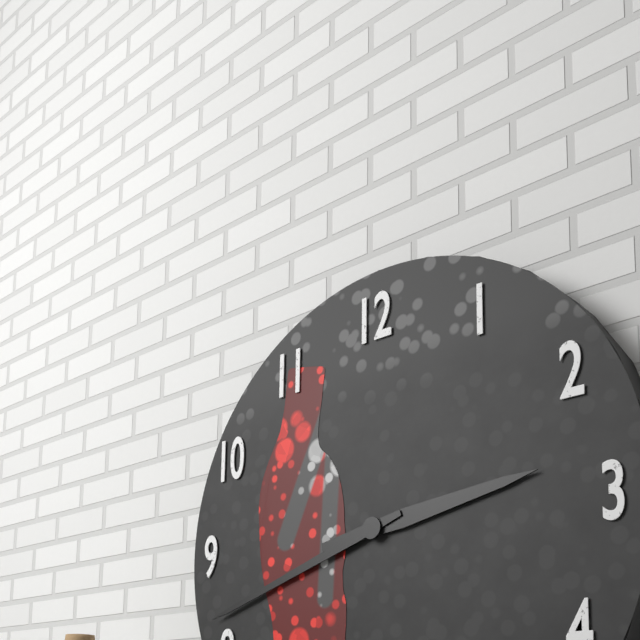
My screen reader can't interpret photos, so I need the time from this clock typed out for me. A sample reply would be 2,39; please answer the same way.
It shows 2,42
